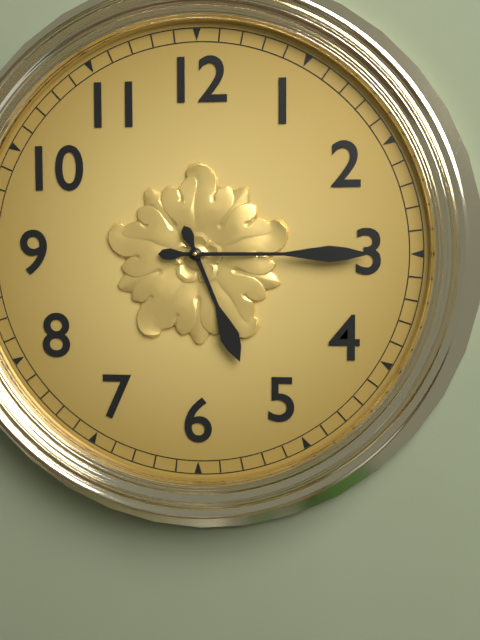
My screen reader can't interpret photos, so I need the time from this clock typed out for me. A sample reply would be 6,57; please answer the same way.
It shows 5,15
